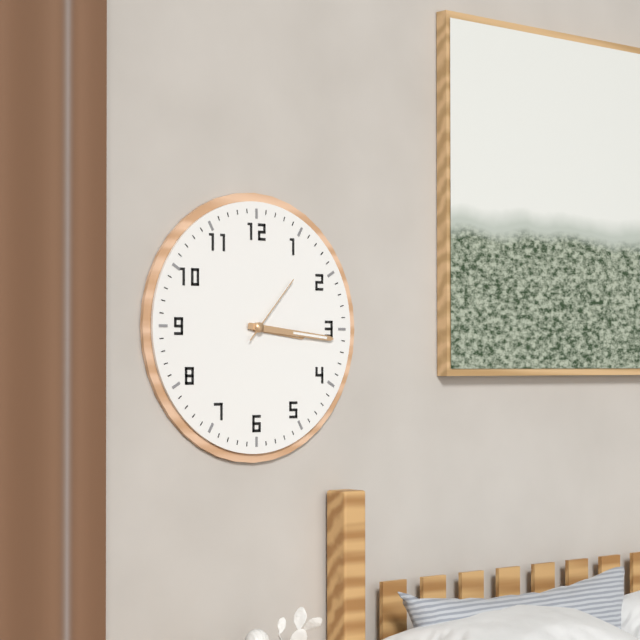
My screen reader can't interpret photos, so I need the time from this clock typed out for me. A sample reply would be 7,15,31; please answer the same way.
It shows 3,16,07
